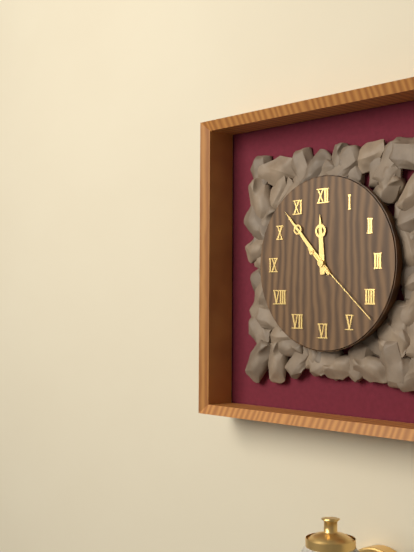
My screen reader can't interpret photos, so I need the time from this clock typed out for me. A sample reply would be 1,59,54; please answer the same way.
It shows 11,53,22
